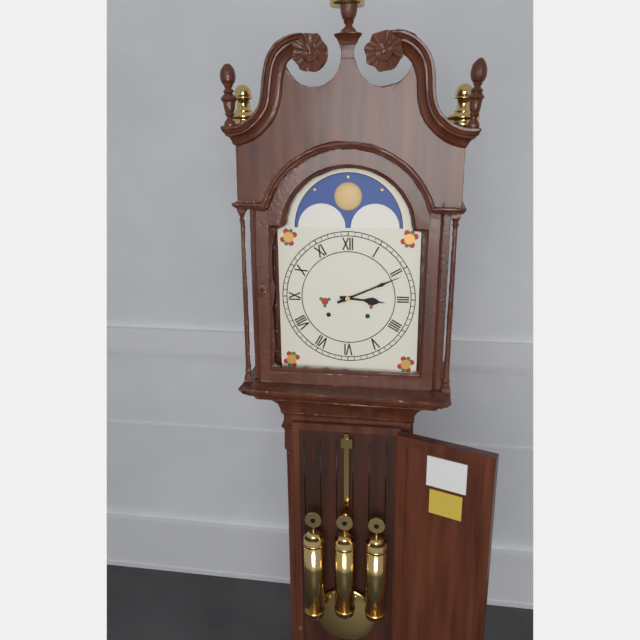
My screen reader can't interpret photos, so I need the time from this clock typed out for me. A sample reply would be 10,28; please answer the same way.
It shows 3,11
